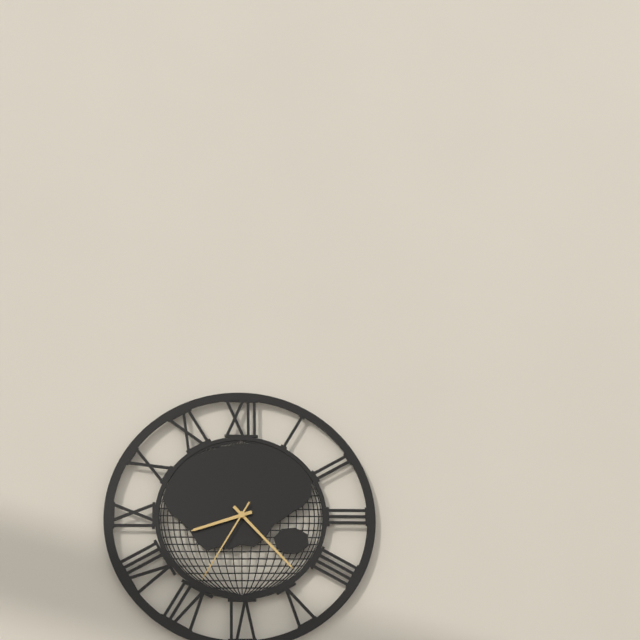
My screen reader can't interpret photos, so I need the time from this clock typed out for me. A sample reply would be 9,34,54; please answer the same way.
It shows 8,23,35
